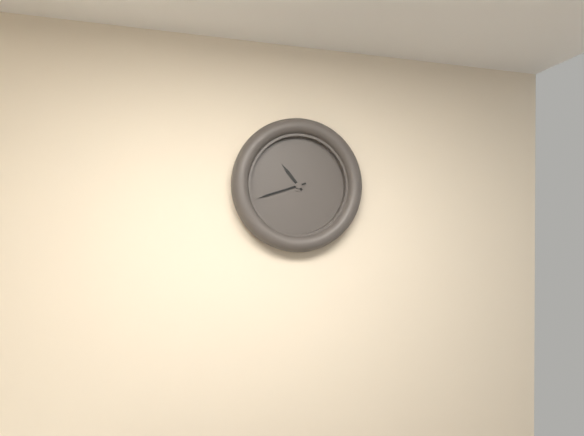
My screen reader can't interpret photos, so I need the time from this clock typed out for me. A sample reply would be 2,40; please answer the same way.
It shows 10,42
